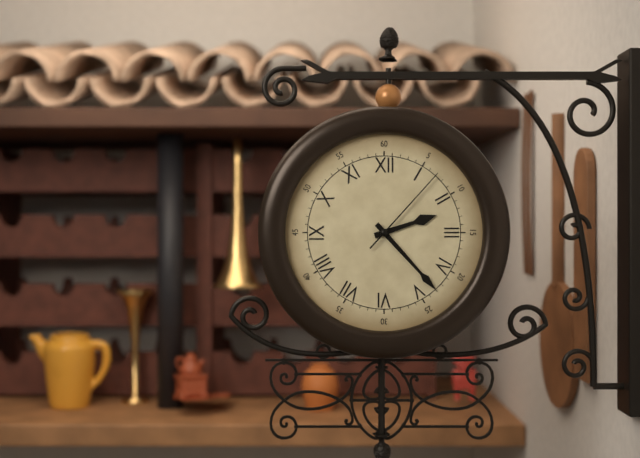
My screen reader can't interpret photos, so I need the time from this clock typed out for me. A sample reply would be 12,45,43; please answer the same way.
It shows 2,23,07
